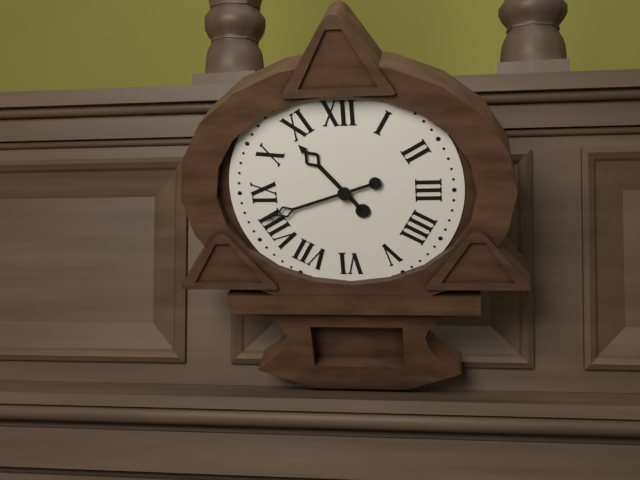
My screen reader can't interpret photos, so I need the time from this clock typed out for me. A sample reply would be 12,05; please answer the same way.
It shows 10,42
